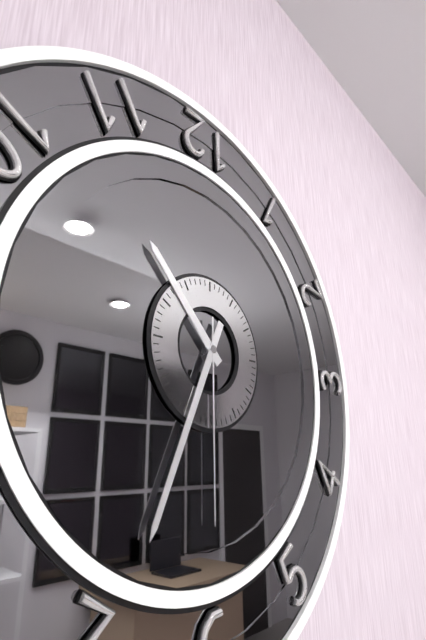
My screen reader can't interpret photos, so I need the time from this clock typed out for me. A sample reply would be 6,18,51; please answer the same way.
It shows 10,34,30
